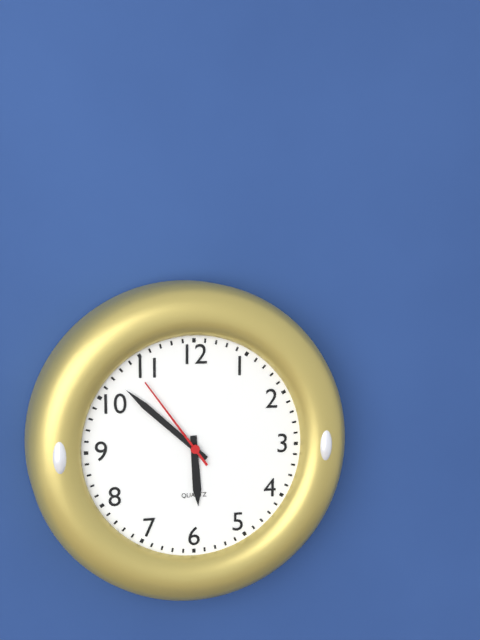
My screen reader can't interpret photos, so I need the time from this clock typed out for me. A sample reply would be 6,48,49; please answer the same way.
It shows 5,52,54
